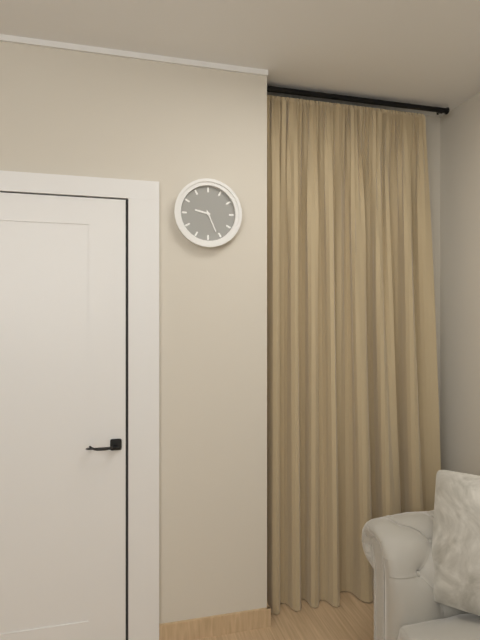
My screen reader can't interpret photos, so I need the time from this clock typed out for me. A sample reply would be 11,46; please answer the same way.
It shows 9,26
